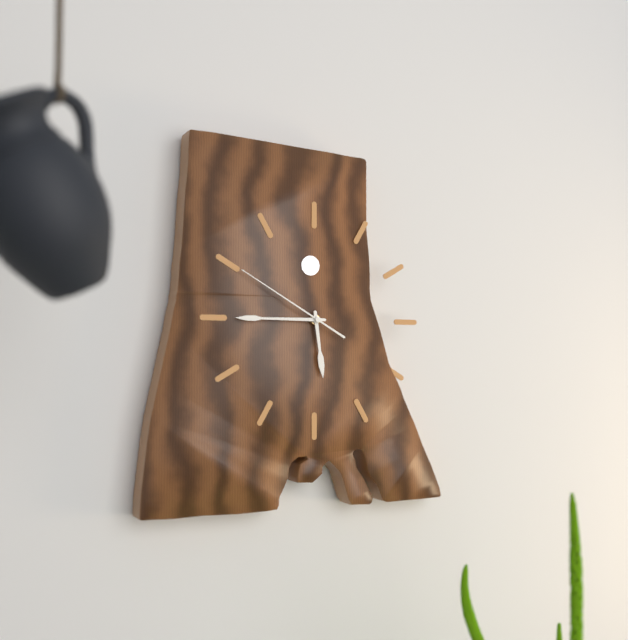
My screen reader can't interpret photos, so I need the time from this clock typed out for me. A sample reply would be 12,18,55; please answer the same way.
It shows 5,45,50
